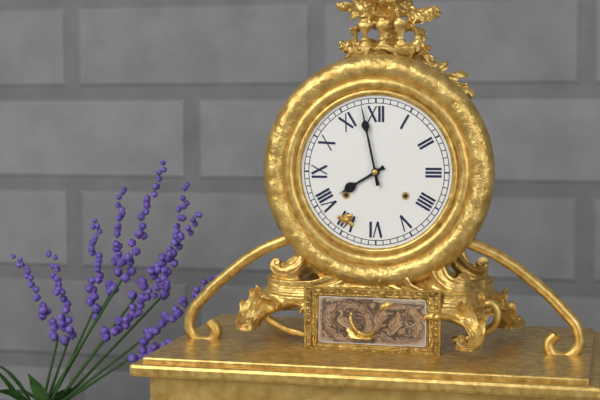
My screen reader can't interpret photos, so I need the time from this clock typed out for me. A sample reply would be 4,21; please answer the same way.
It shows 7,58
